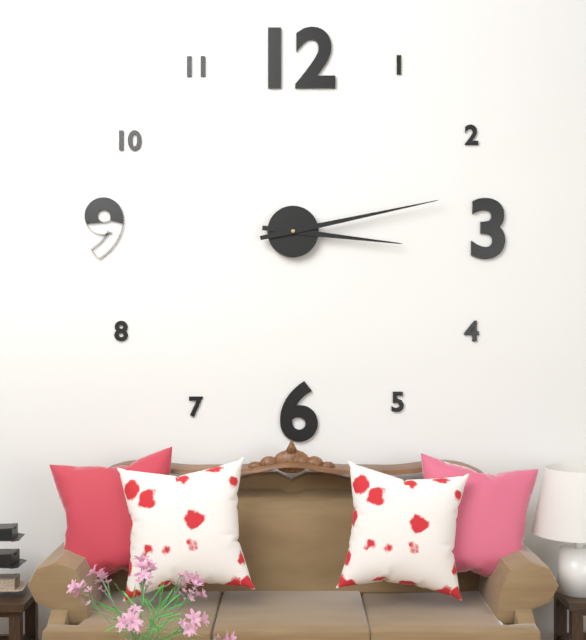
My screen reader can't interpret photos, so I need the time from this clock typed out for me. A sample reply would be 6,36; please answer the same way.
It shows 3,13
